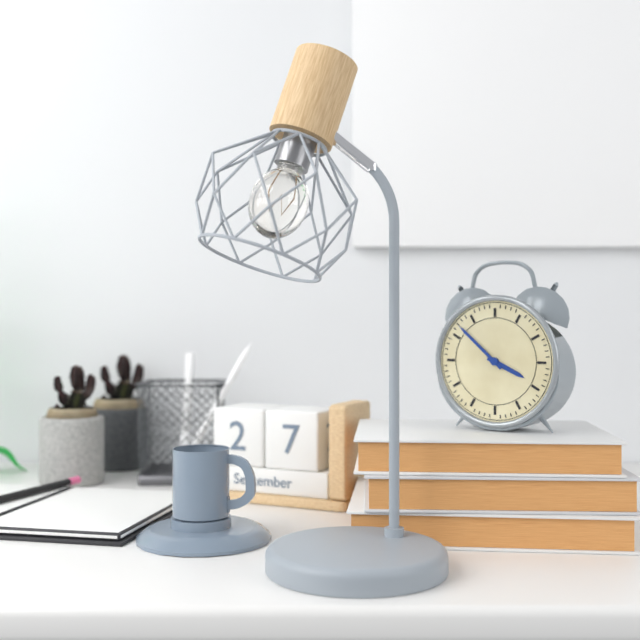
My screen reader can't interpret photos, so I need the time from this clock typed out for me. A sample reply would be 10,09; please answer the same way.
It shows 3,52
